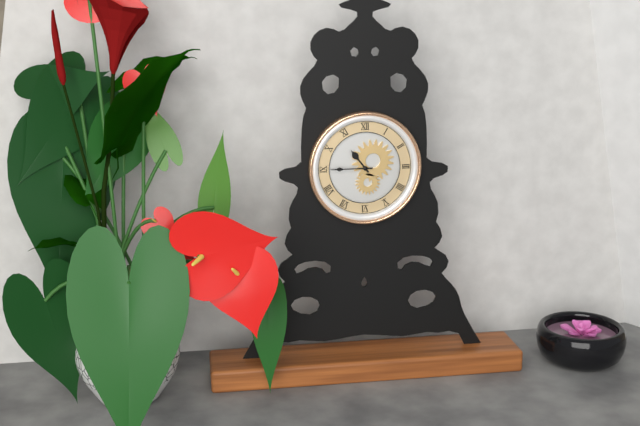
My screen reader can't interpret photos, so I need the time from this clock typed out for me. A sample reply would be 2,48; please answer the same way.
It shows 10,45
